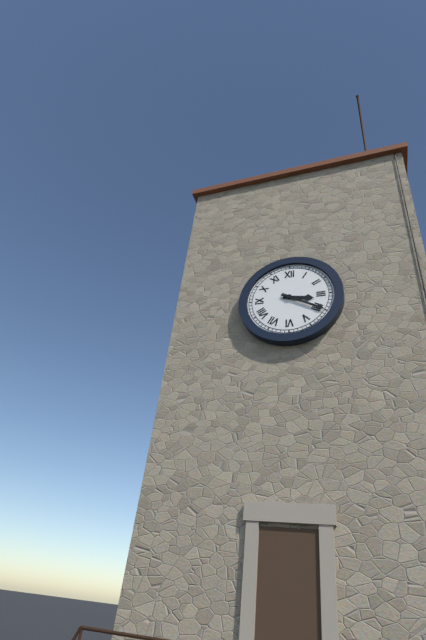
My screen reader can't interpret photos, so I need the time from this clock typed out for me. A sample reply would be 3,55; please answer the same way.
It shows 3,20
